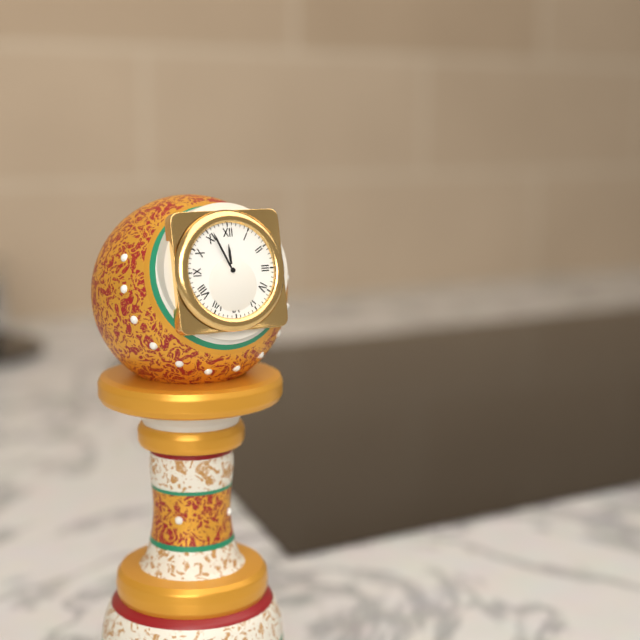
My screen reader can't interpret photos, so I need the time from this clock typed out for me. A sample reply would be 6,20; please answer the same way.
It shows 11,56
